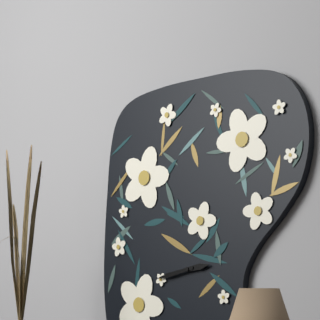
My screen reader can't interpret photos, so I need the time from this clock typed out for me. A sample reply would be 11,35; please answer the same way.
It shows 2,43
